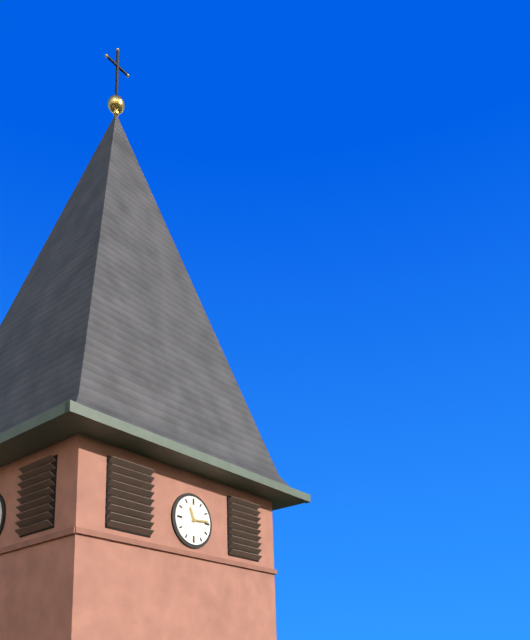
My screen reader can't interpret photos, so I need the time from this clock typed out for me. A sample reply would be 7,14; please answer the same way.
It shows 11,14
